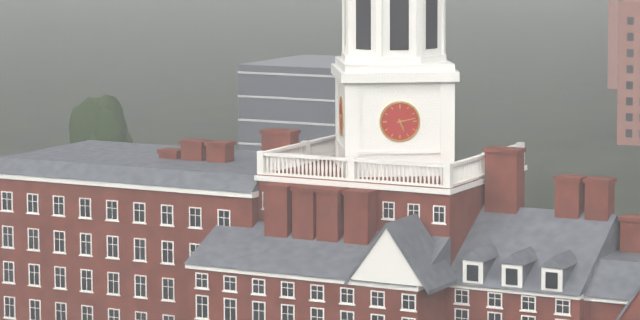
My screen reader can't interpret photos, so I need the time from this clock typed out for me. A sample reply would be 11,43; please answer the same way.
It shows 5,13
